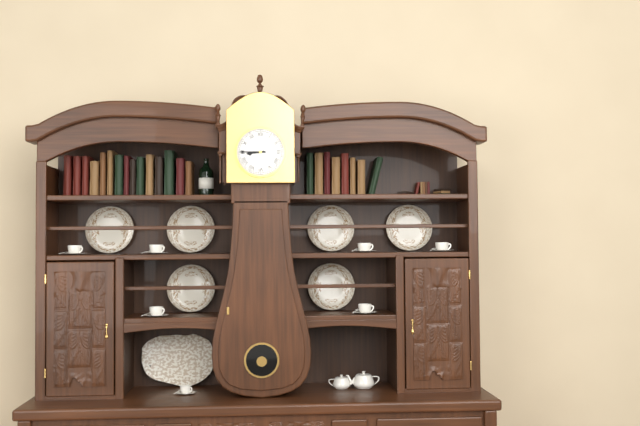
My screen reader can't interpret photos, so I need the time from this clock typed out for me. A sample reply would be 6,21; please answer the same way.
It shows 8,45
